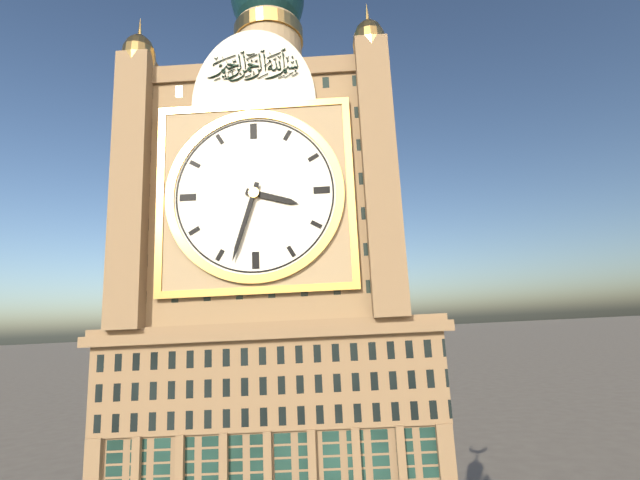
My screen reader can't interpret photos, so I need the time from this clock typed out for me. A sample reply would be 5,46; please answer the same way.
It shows 3,33
